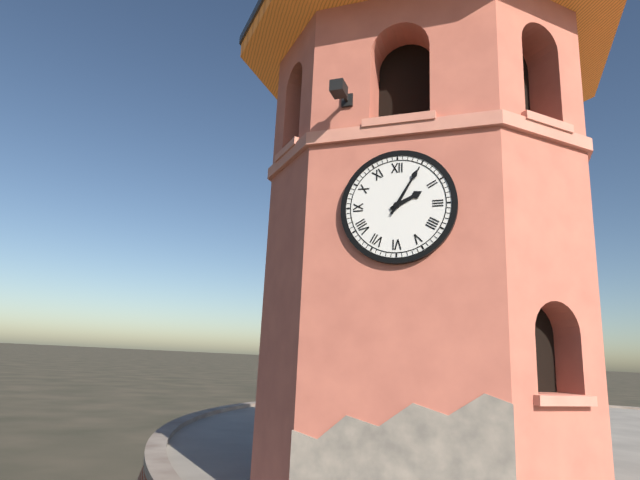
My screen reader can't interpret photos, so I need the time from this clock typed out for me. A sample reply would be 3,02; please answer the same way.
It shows 2,05
